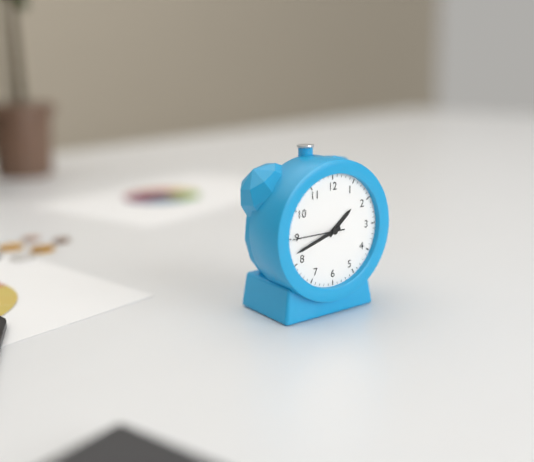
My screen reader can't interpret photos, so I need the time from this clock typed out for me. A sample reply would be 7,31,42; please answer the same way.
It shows 1,42,45
